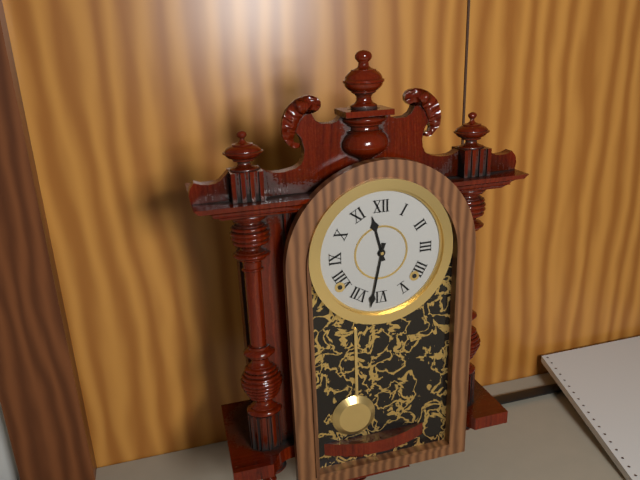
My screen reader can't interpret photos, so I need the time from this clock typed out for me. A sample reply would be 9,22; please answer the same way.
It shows 11,32
